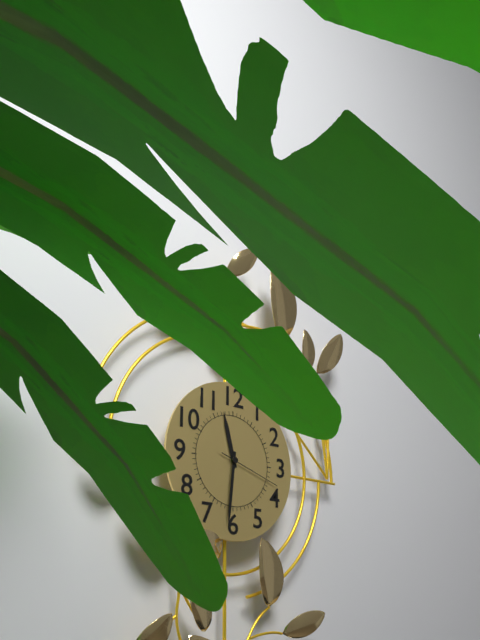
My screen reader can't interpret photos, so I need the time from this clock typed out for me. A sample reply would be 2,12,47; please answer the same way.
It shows 11,31,18
